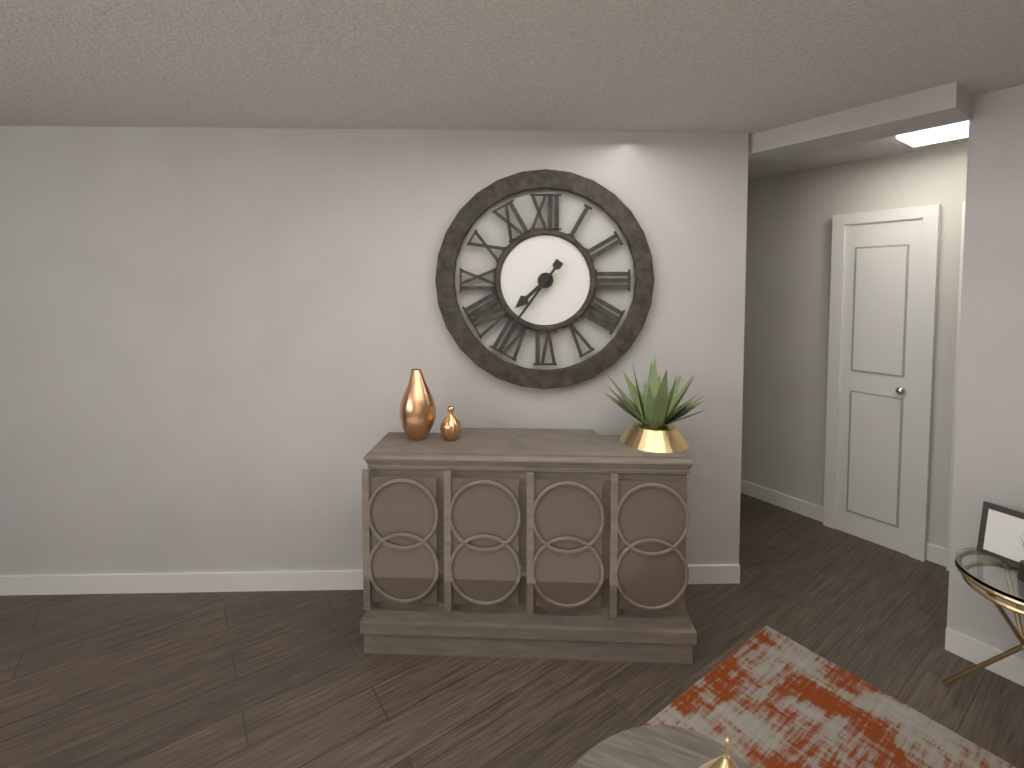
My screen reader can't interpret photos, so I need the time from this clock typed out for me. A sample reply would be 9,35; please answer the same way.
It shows 7,36
